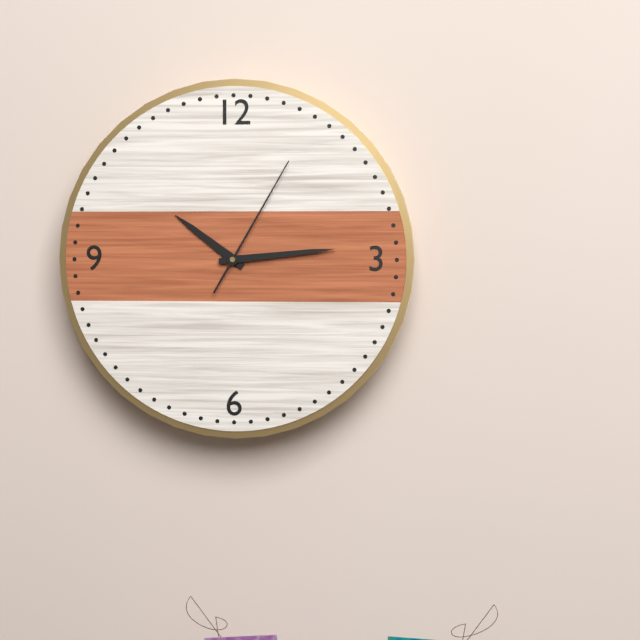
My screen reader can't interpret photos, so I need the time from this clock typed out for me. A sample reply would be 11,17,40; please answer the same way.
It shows 10,14,05
